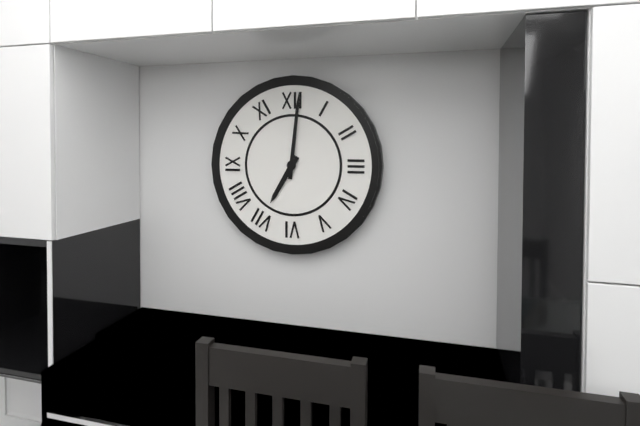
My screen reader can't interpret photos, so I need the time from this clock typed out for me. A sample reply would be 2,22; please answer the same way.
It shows 7,01
